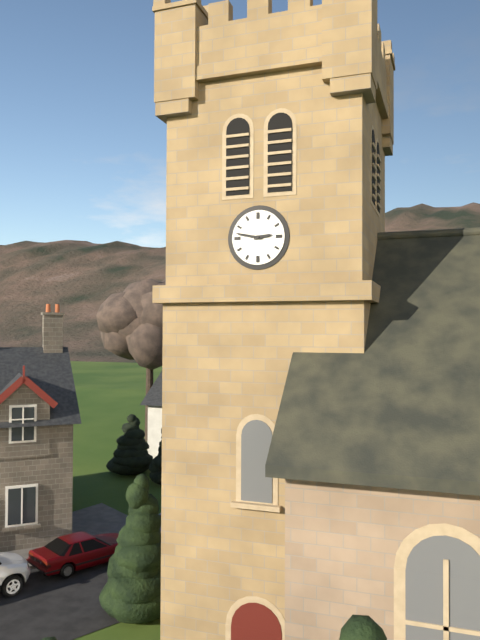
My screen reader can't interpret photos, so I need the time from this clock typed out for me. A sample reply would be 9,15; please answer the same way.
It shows 2,47
